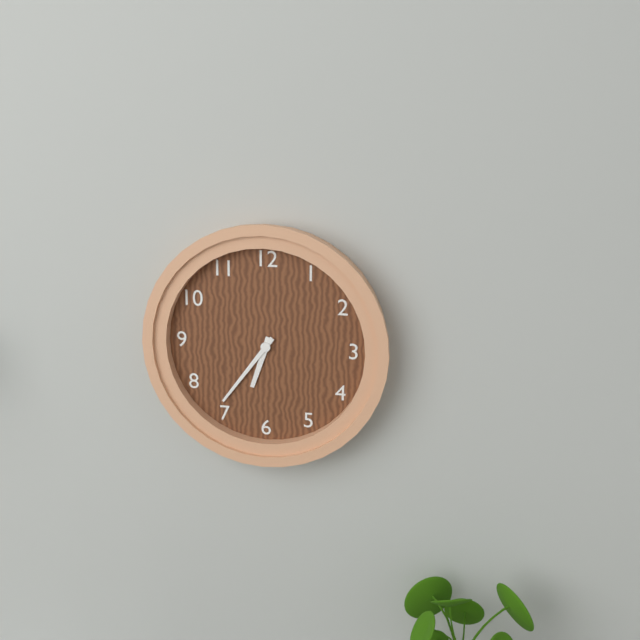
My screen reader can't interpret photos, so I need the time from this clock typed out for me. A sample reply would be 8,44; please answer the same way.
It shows 6,36
